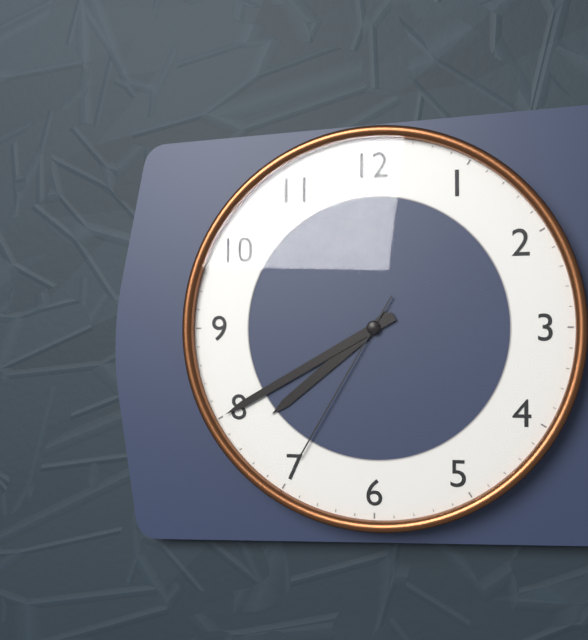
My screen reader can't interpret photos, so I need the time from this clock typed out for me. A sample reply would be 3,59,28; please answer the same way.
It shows 7,40,35
